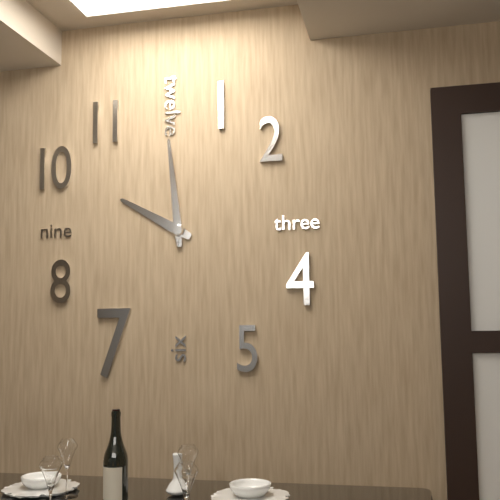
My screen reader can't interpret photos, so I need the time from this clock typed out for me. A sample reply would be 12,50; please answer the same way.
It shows 9,59
